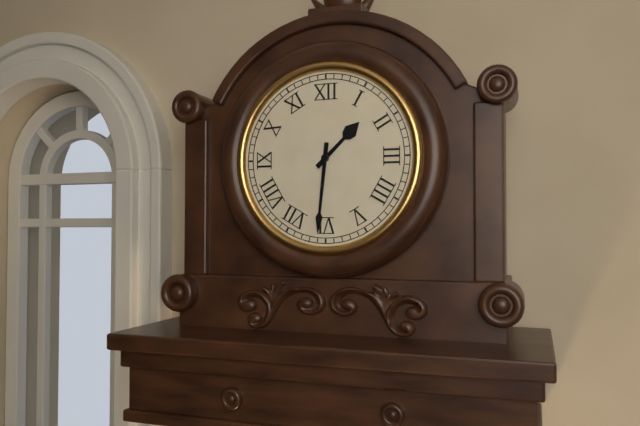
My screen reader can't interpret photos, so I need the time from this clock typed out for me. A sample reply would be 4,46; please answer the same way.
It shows 1,31
